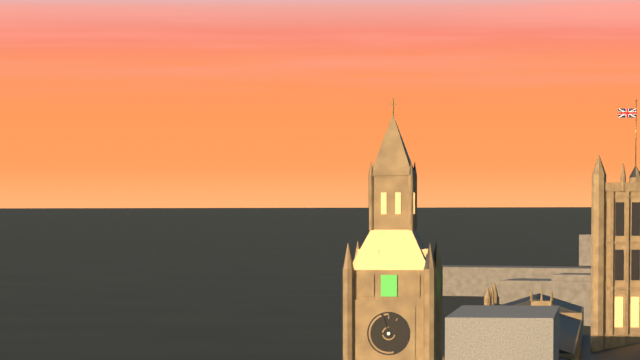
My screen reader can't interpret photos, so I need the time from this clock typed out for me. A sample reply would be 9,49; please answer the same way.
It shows 8,57
